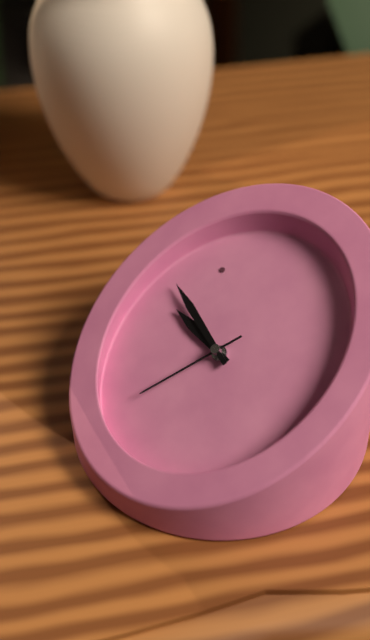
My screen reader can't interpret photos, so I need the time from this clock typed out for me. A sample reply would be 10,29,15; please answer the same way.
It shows 12,02,48
